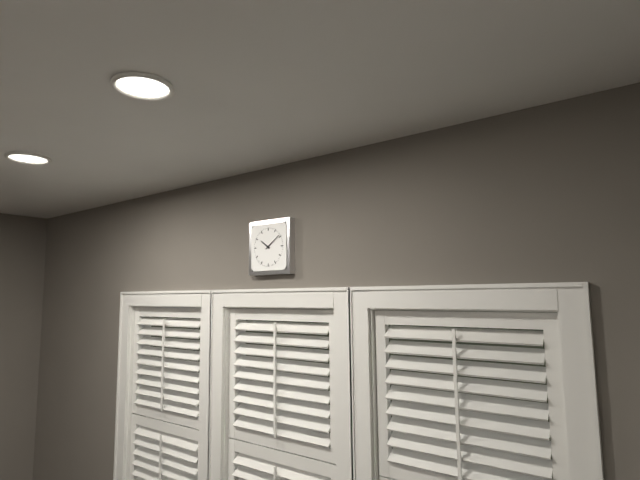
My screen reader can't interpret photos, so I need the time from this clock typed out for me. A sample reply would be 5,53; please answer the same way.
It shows 10,09
